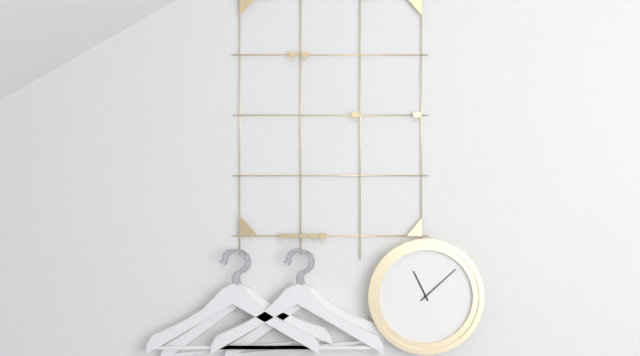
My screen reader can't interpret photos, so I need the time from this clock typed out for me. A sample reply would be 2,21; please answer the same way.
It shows 11,08
